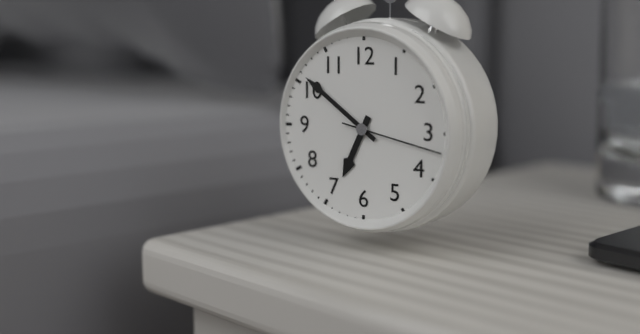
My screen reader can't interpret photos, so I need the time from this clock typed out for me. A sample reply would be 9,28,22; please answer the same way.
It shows 6,51,17
